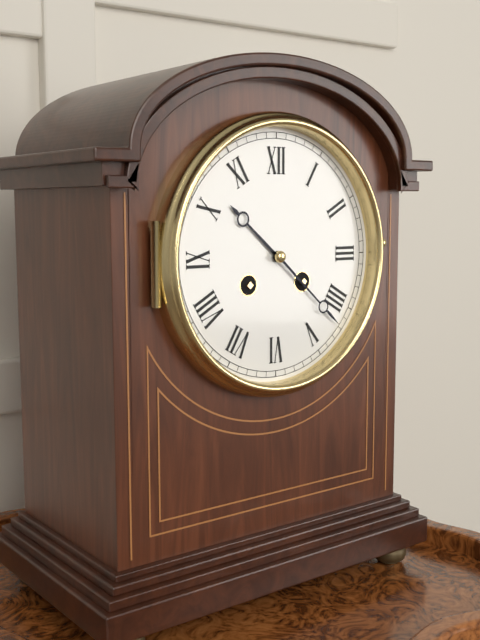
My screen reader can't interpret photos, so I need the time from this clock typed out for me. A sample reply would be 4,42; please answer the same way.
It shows 10,22
